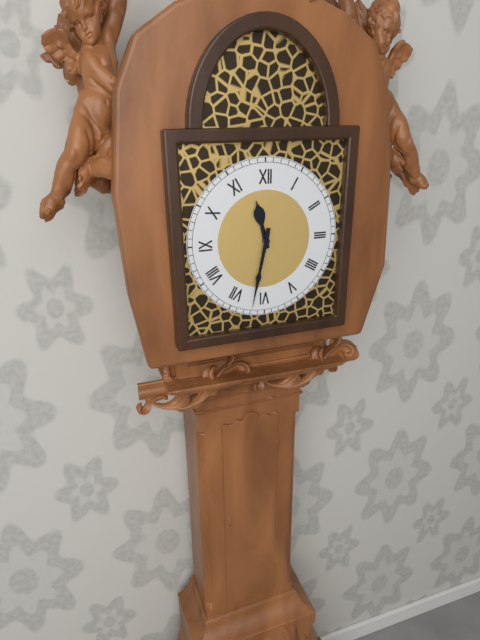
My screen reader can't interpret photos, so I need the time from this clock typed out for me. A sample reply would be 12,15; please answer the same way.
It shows 11,32
